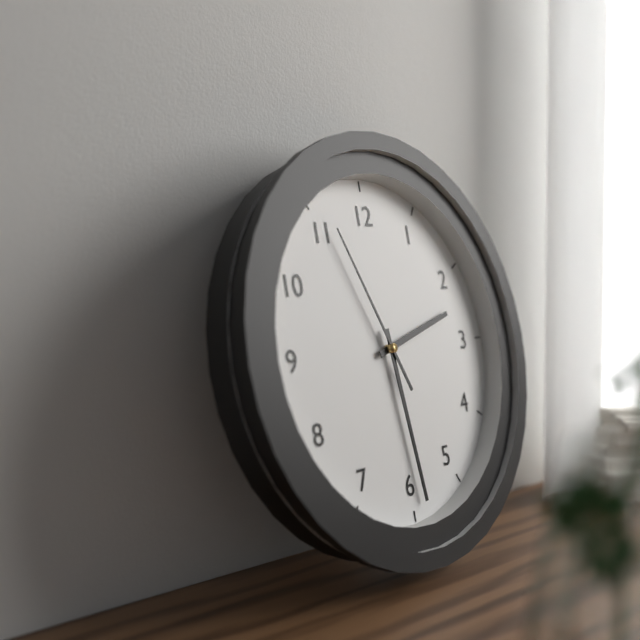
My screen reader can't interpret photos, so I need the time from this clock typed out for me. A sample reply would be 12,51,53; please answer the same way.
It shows 2,29,56
